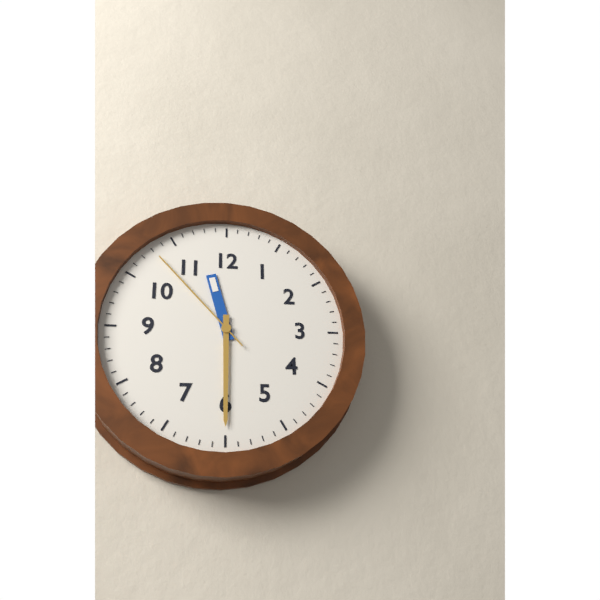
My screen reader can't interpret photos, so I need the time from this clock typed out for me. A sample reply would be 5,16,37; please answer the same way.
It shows 11,30,53
